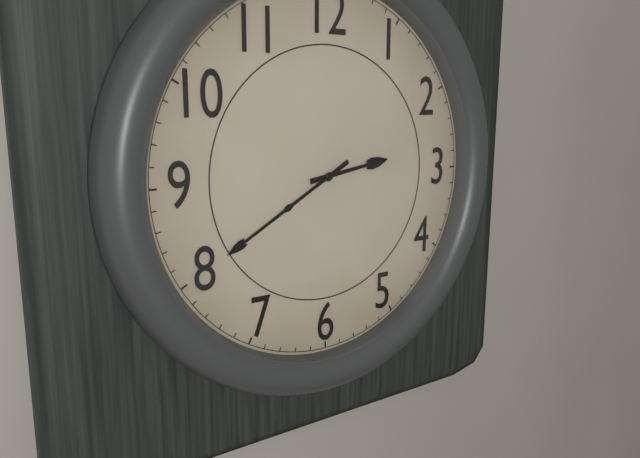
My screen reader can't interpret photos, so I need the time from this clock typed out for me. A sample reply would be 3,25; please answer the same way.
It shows 2,40
